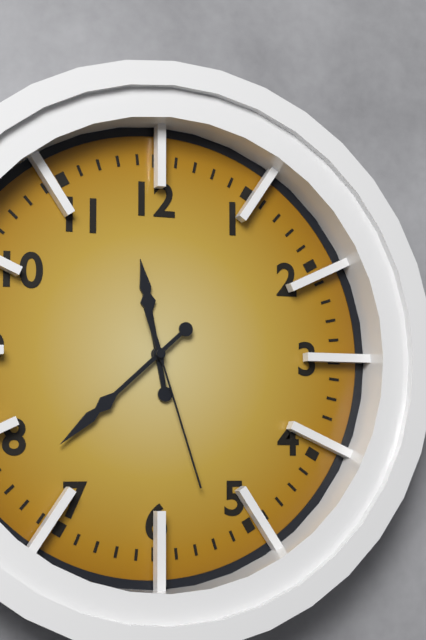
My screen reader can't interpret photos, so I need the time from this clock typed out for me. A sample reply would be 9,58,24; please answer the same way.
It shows 11,38,27
